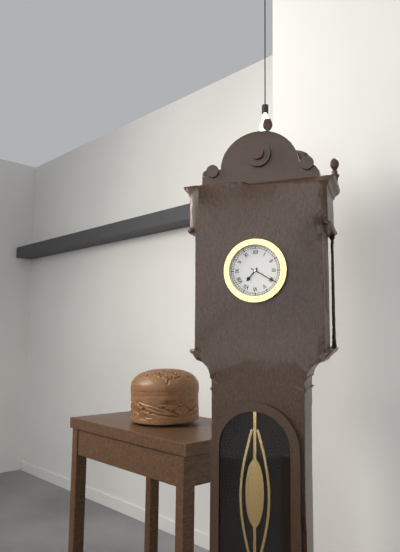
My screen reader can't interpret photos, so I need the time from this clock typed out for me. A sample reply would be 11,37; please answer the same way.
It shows 7,20
